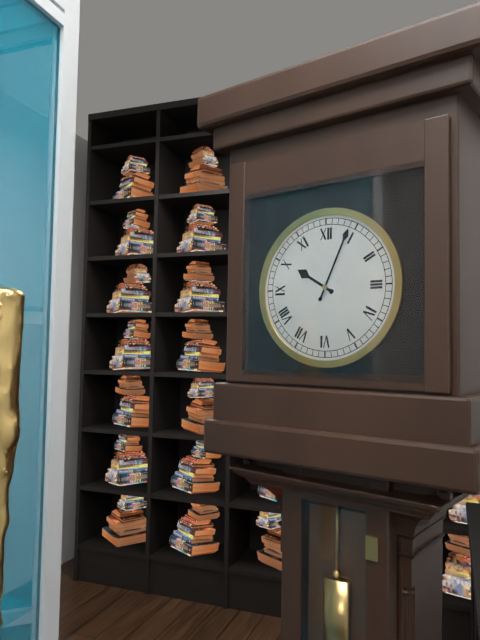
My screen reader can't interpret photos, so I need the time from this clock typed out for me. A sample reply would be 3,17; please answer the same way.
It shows 10,04
